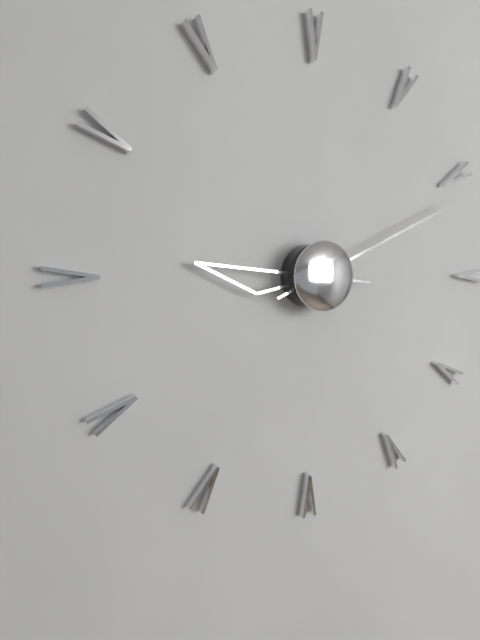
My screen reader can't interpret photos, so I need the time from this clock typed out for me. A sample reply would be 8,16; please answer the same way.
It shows 9,11
